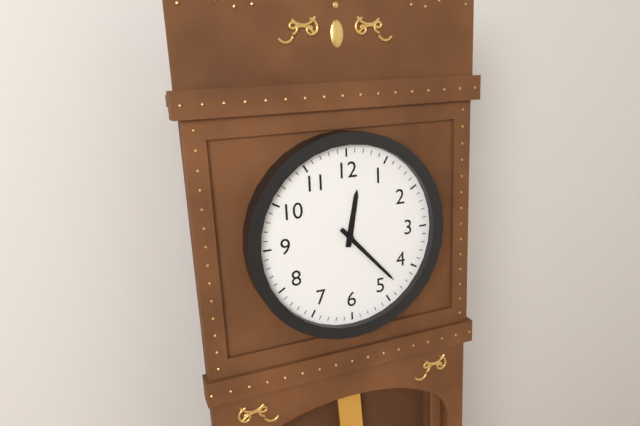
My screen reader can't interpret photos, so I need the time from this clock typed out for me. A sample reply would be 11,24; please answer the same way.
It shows 12,23
